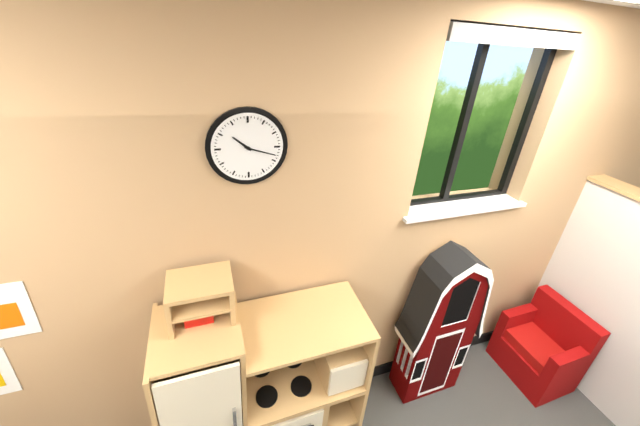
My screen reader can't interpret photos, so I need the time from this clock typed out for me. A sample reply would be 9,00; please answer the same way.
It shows 10,18
